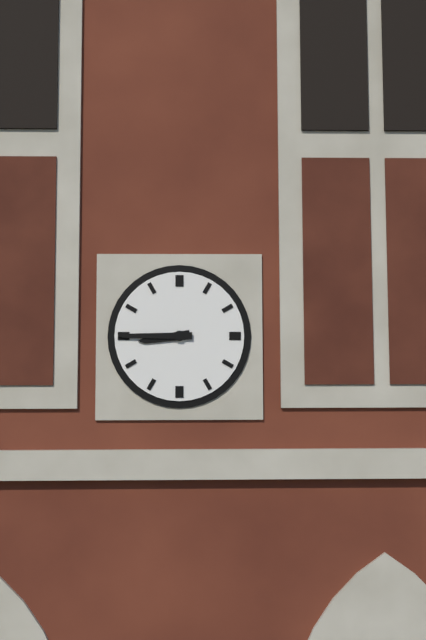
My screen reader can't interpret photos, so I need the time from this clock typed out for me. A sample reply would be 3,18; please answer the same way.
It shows 8,45
